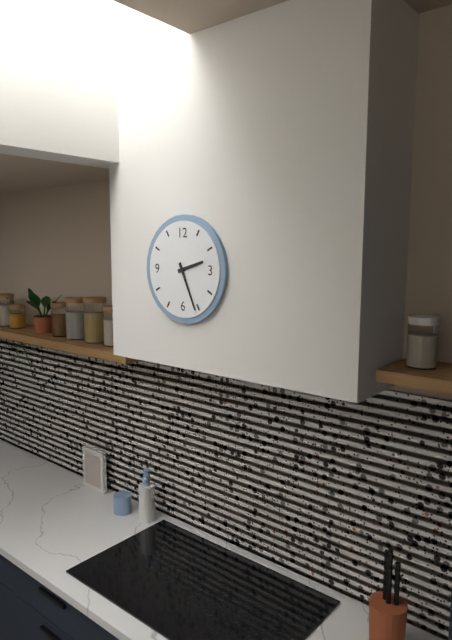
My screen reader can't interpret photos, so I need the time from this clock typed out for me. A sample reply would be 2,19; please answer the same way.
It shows 2,26
